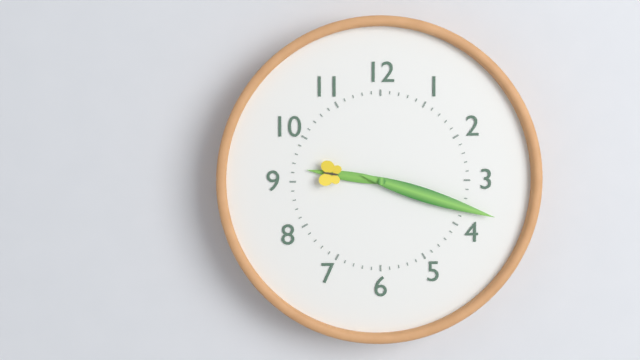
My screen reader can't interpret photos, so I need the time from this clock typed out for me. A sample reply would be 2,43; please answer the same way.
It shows 9,18
